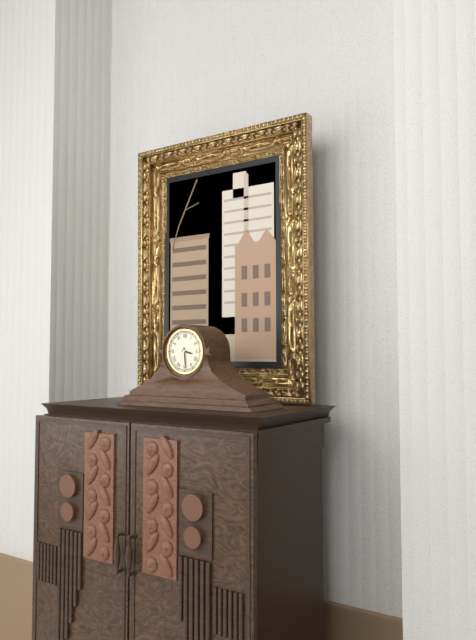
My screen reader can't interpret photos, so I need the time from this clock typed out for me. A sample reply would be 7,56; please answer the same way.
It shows 3,29
